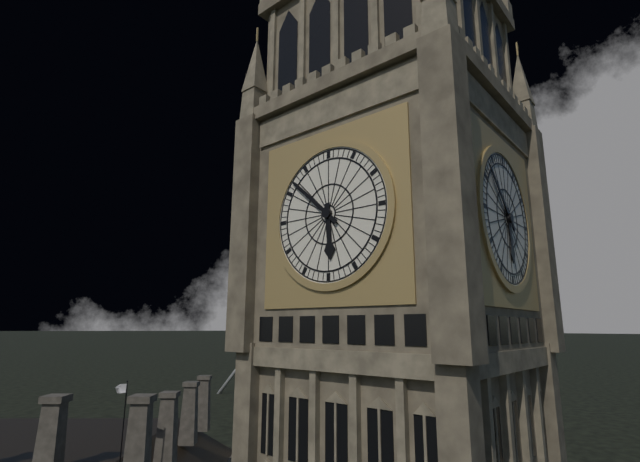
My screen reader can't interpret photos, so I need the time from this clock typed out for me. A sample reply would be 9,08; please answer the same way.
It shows 5,52
